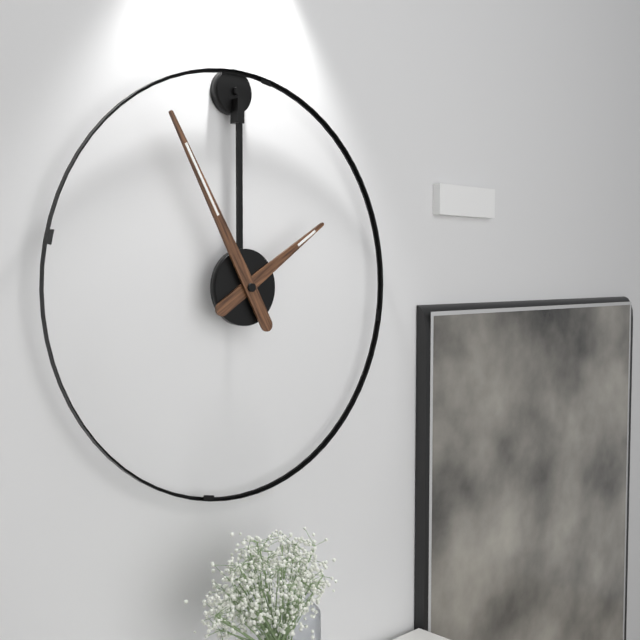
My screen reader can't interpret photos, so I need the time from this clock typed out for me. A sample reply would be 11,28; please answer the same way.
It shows 1,55
